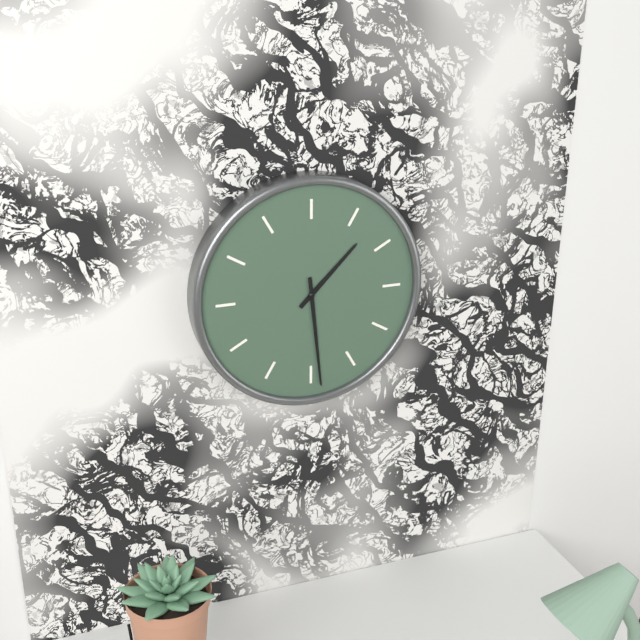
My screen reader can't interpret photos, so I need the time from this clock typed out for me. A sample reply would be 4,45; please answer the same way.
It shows 1,29
